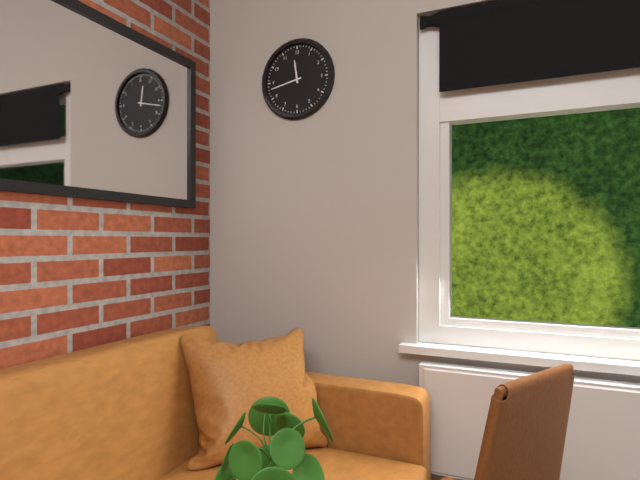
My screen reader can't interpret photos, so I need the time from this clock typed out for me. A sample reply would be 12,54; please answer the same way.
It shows 11,43
